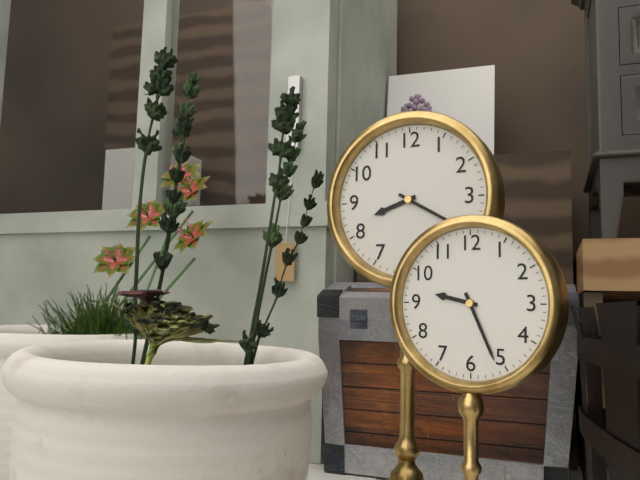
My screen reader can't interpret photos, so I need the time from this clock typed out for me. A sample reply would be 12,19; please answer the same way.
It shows 8,20
